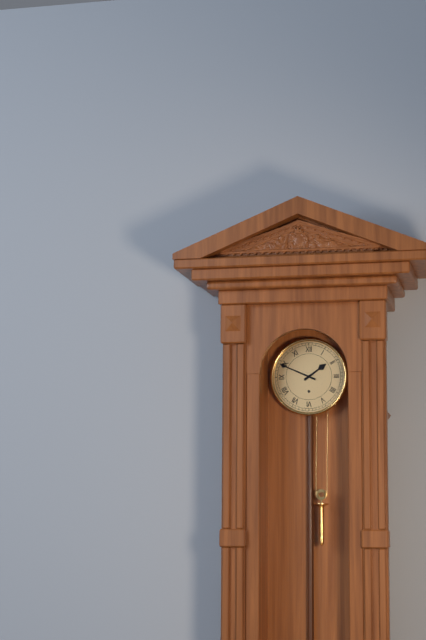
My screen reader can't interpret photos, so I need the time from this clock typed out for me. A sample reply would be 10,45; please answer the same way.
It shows 1,49
